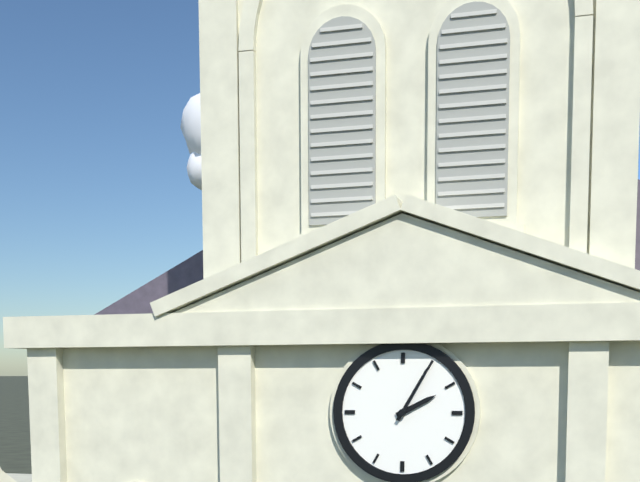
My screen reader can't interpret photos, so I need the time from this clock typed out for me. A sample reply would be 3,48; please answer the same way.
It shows 2,05
